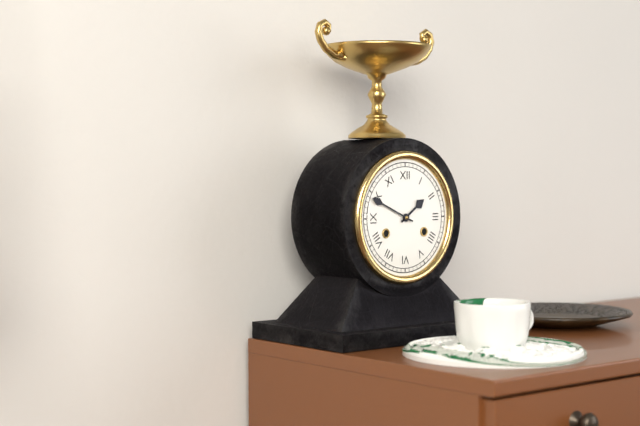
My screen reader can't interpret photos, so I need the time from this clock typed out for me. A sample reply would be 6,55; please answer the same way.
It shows 1,49
